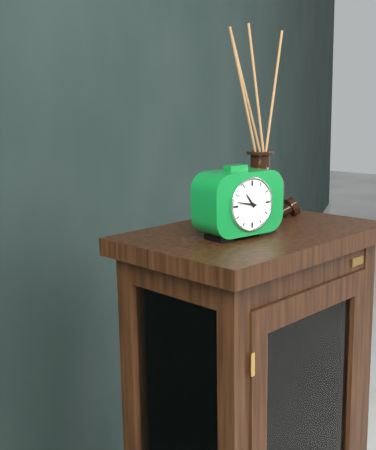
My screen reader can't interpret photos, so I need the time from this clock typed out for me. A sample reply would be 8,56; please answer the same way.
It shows 10,47
